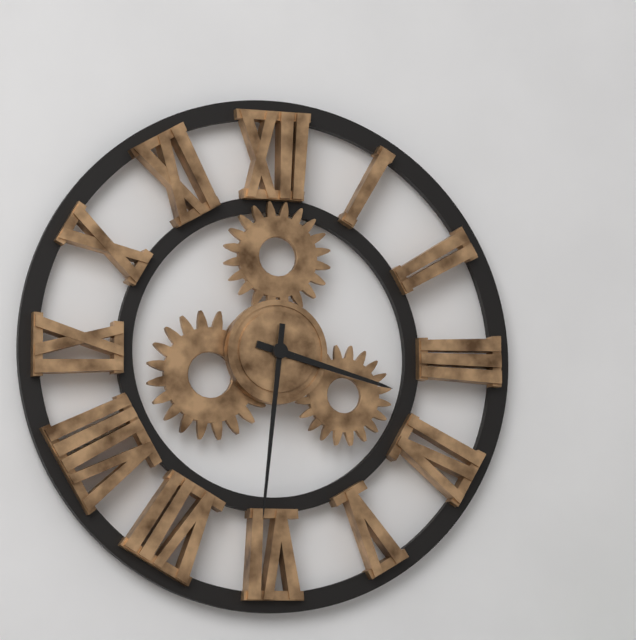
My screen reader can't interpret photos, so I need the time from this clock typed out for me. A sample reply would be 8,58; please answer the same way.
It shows 3,31
